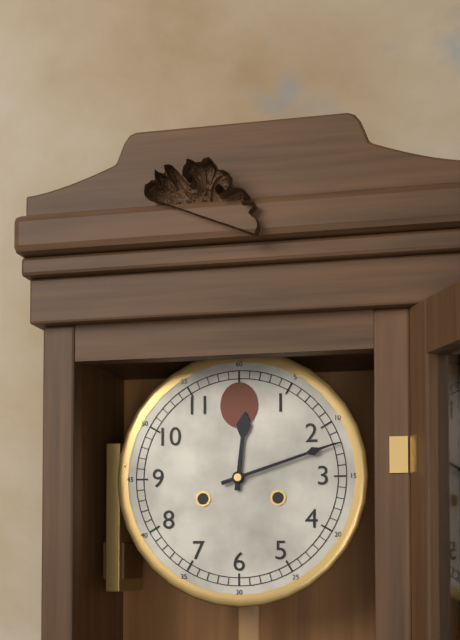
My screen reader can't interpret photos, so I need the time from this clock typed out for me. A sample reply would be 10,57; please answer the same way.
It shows 12,12
